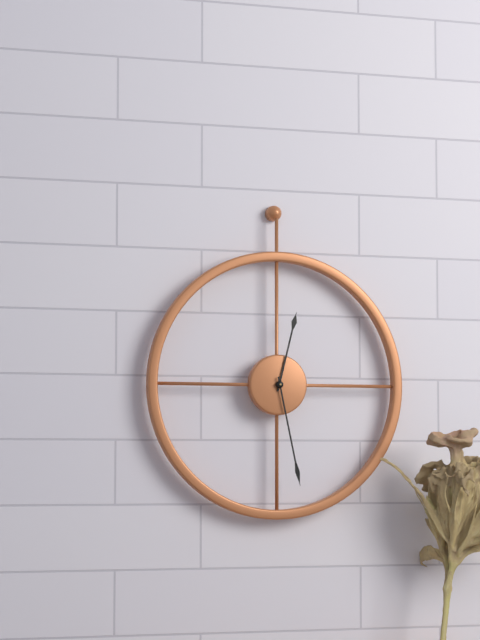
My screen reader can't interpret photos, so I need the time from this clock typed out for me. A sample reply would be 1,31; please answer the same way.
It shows 12,28
